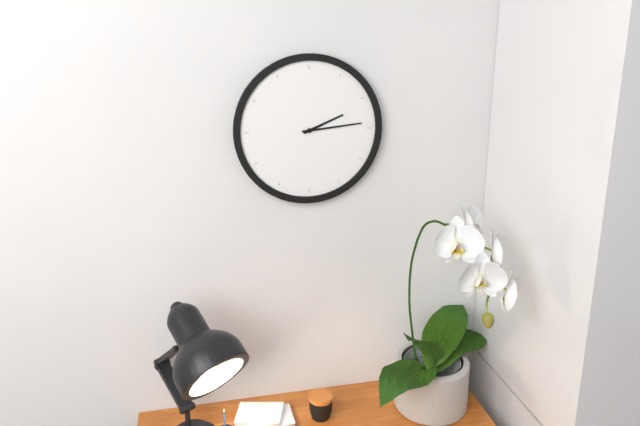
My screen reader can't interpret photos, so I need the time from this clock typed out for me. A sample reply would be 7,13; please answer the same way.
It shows 2,14
